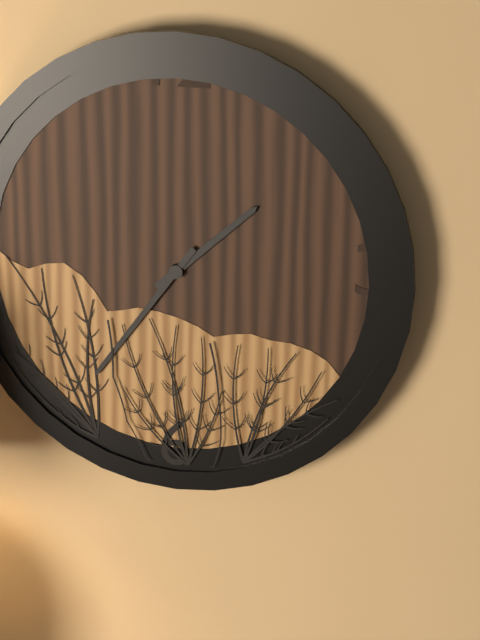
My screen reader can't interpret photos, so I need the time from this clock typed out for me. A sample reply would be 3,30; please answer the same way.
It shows 1,36
